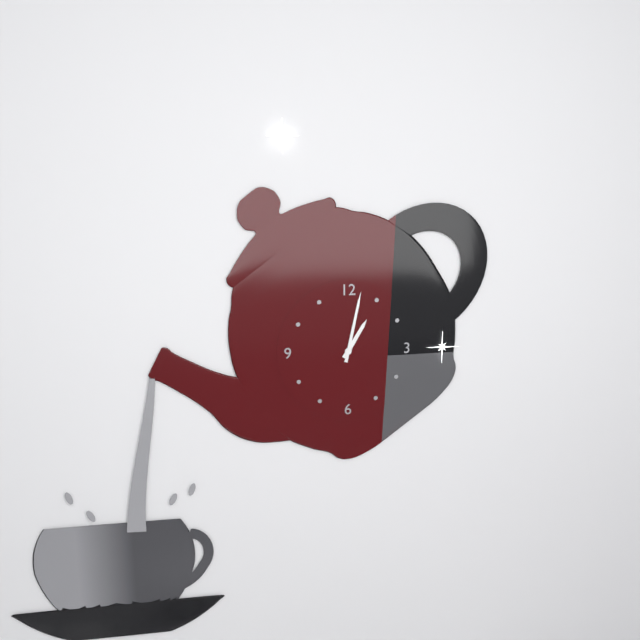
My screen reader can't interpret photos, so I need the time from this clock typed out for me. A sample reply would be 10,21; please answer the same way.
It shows 1,02
